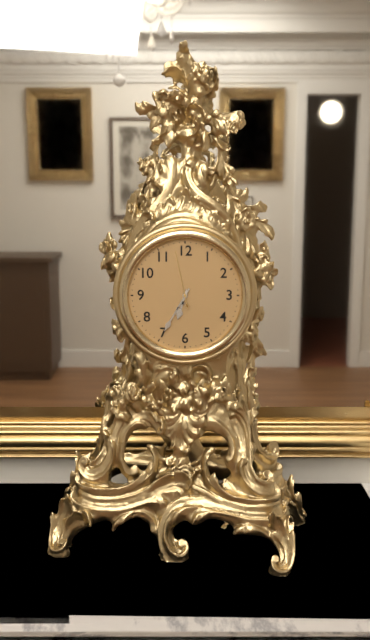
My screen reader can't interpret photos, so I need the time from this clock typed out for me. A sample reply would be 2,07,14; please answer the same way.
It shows 6,35,58
